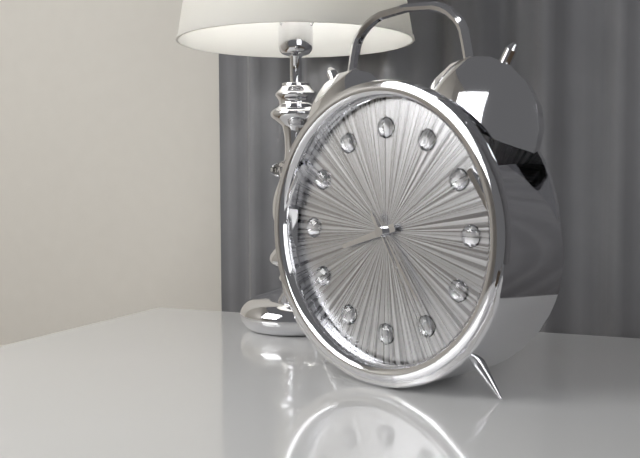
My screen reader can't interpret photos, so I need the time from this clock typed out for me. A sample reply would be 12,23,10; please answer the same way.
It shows 8,24,25
